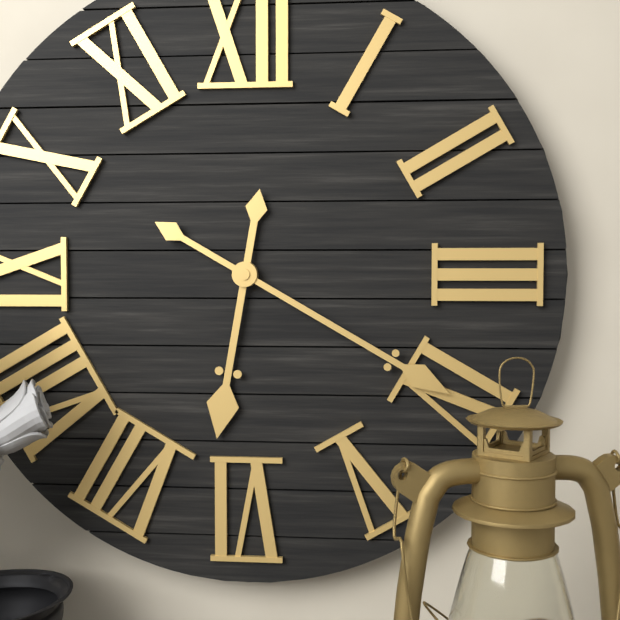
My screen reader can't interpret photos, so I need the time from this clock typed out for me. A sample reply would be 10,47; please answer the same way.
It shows 6,20
